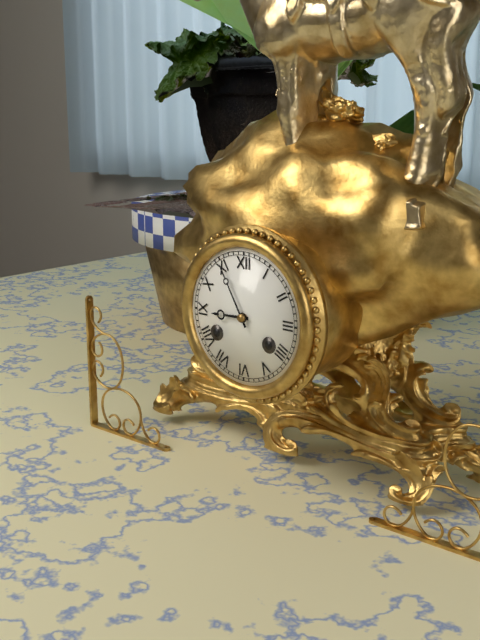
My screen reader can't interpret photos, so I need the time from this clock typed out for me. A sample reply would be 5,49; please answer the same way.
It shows 8,55
